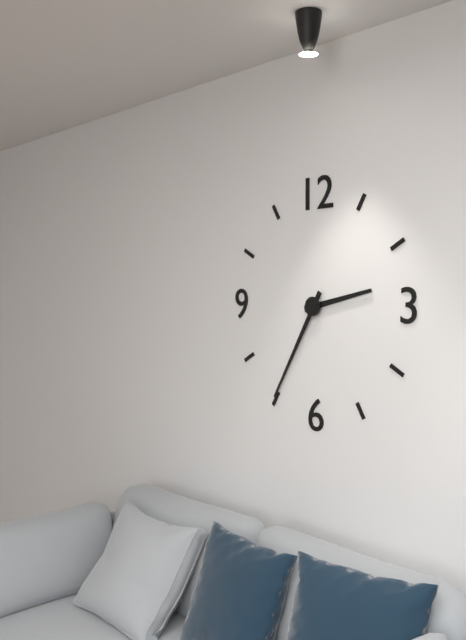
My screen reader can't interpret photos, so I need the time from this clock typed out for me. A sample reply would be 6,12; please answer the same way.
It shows 2,35
